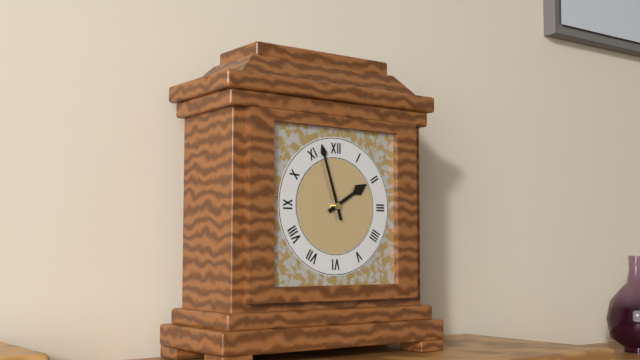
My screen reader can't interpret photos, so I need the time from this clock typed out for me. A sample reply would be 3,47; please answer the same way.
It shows 1,57
